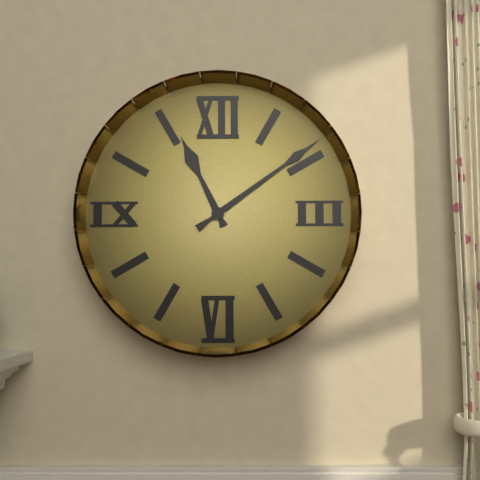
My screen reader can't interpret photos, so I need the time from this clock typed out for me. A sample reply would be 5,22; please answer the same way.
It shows 11,09
